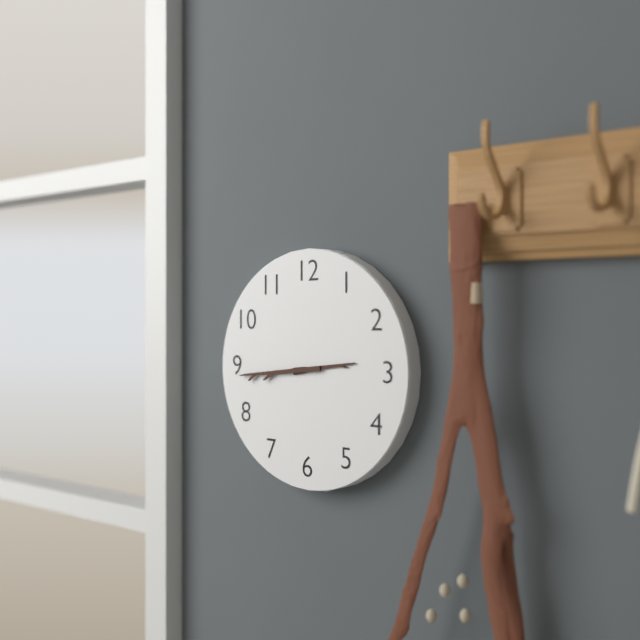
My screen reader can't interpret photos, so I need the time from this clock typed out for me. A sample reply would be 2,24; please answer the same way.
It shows 2,44
